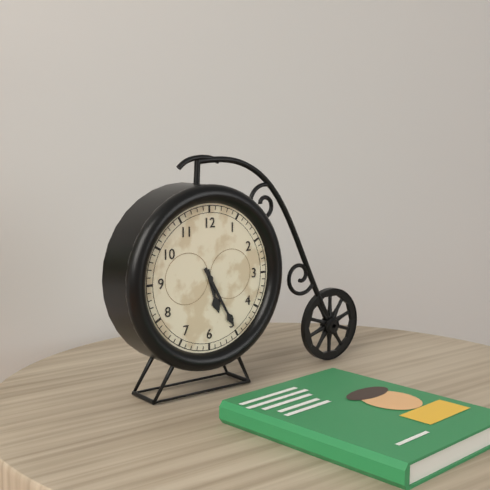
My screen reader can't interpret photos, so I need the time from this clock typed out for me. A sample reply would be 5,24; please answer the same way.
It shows 5,25
